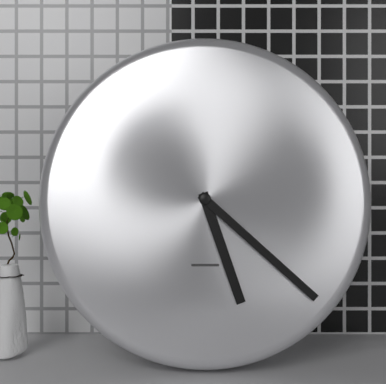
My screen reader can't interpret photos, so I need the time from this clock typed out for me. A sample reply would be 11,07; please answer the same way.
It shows 5,22
